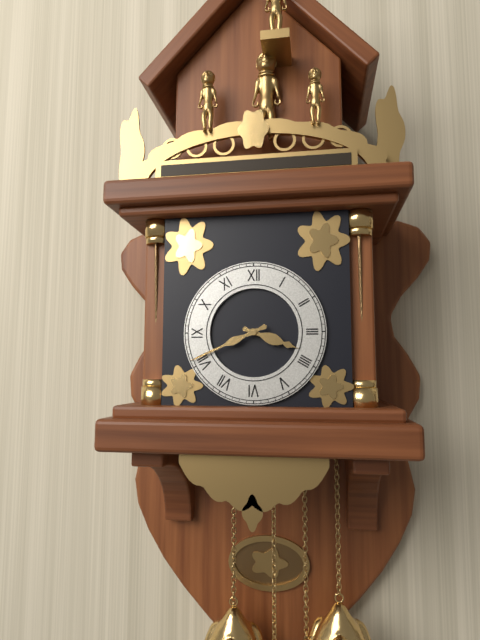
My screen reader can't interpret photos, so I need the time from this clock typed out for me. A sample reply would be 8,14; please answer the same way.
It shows 3,41
